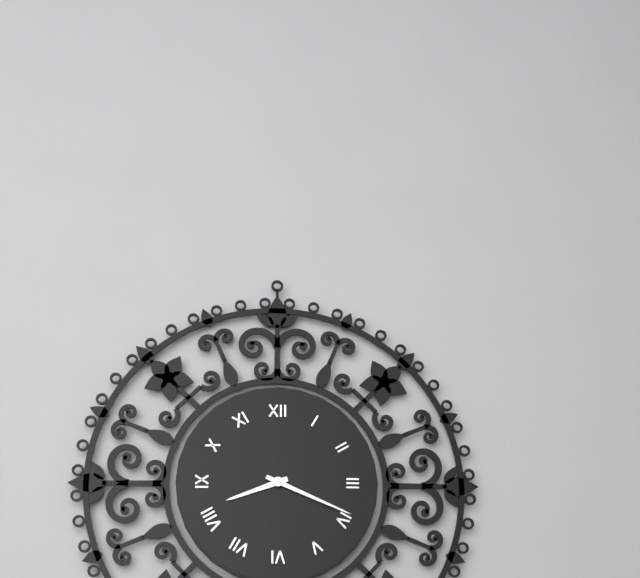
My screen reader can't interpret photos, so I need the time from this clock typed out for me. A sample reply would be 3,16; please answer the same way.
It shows 8,19
